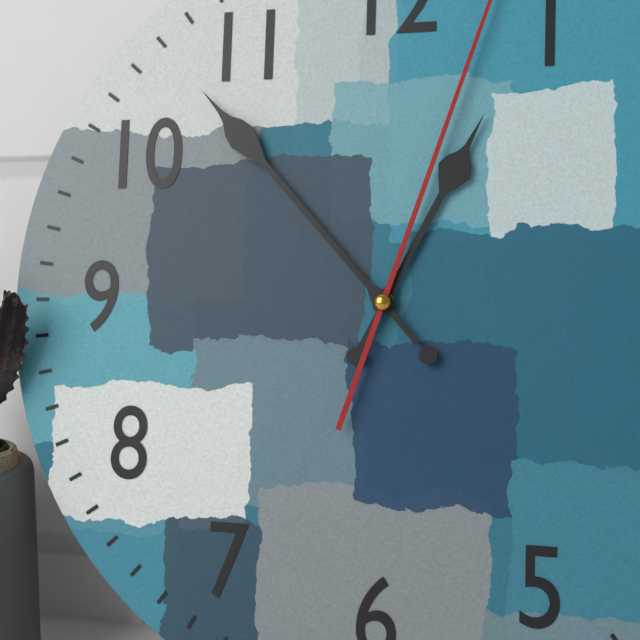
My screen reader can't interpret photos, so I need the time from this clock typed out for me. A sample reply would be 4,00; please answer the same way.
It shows 12,53
